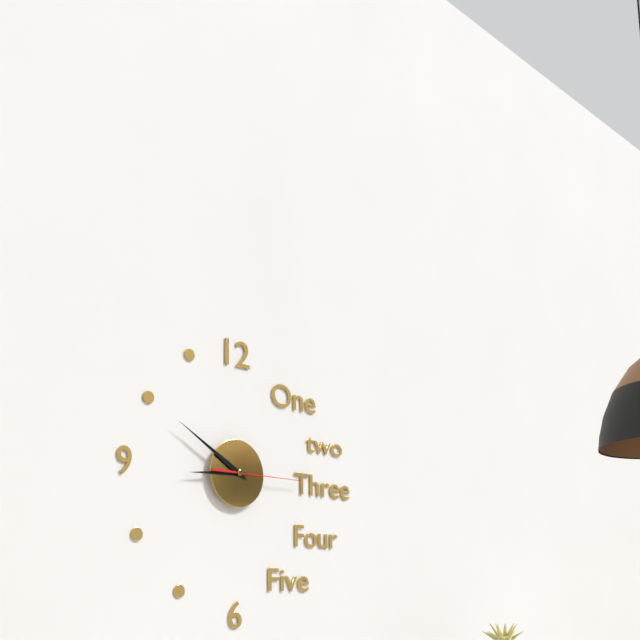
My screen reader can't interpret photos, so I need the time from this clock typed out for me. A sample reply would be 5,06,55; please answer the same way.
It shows 8,50,15
